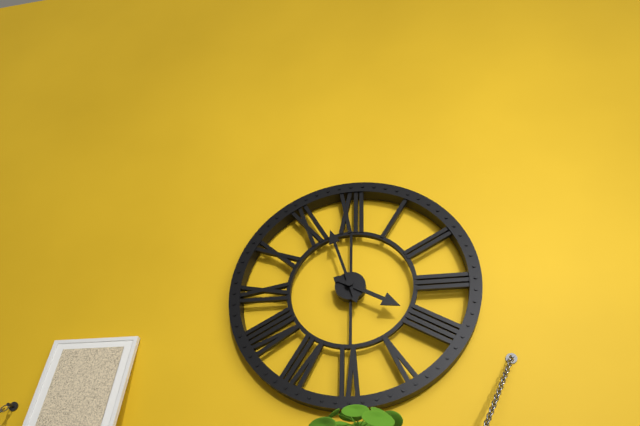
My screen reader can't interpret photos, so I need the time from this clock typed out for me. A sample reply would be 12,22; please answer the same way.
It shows 3,57
